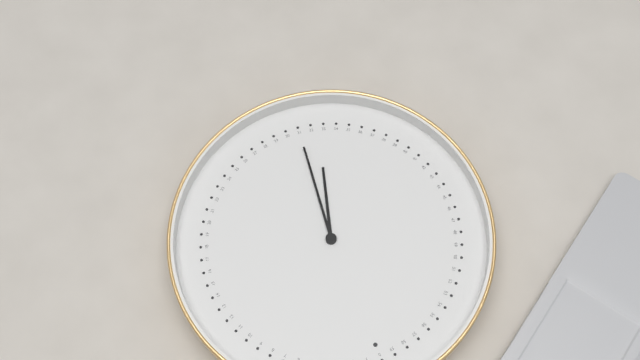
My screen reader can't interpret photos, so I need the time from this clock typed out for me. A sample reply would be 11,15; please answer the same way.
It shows 6,31
